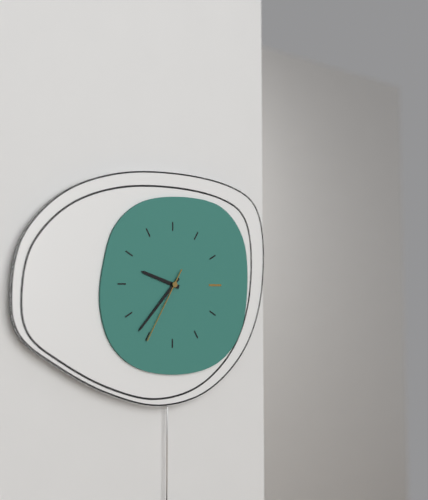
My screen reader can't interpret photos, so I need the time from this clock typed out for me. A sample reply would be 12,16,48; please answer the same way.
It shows 9,37,35
